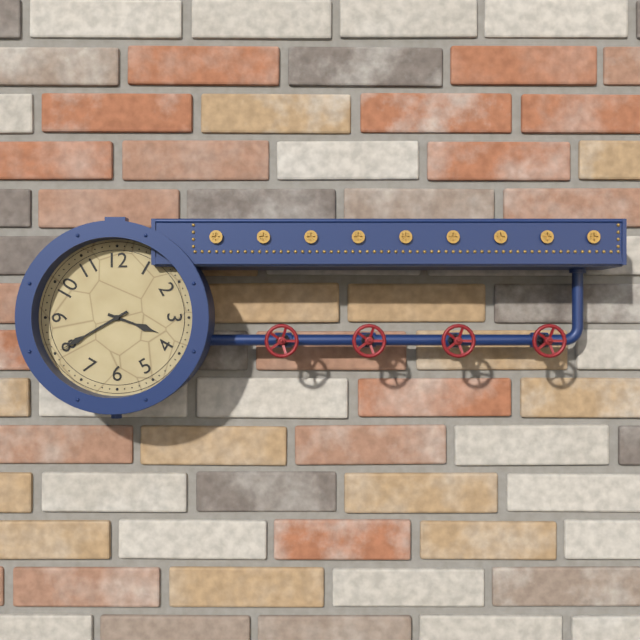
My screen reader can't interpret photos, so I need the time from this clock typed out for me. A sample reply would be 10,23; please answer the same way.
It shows 3,40
